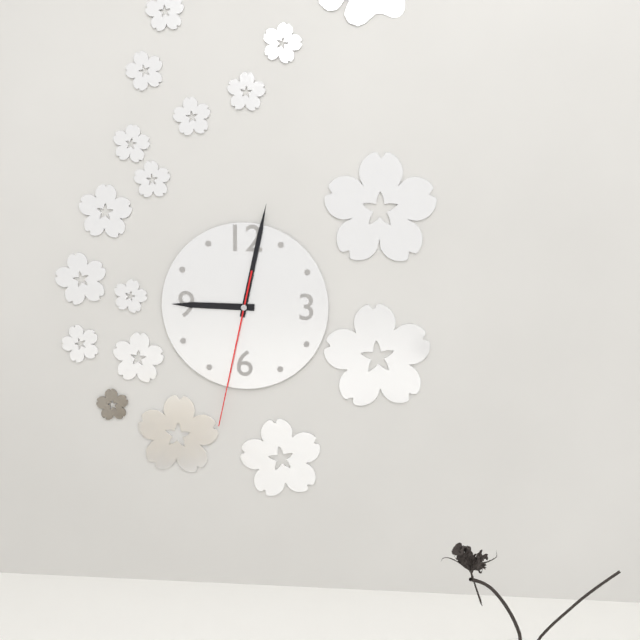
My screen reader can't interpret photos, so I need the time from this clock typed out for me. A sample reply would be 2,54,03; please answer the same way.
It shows 9,02,32
